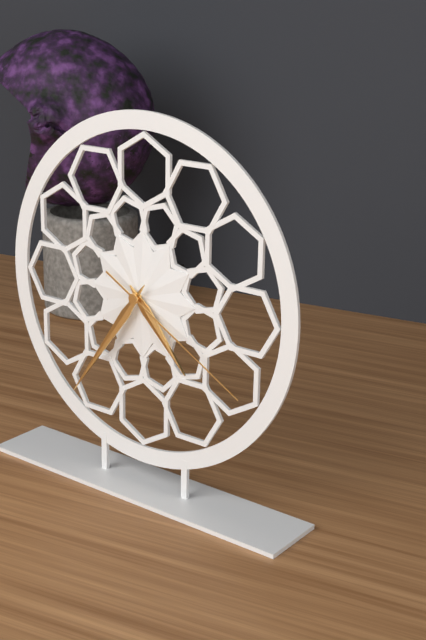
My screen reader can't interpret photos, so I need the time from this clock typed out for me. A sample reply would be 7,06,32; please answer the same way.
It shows 4,36,20
